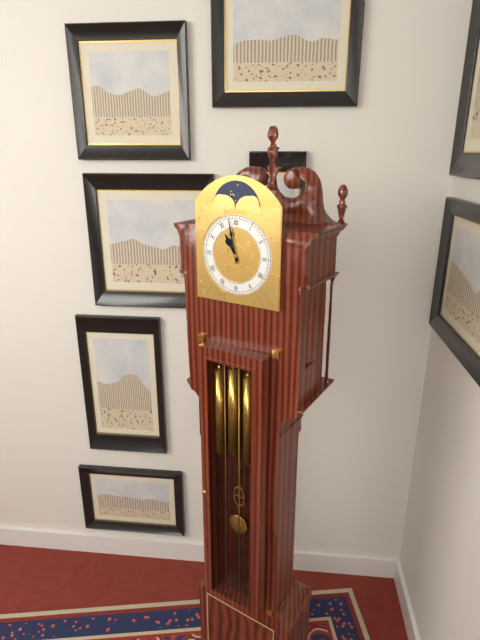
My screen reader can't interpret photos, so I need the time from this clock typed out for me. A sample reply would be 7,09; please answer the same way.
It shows 10,58
